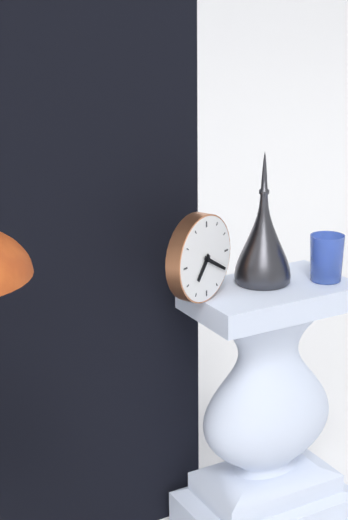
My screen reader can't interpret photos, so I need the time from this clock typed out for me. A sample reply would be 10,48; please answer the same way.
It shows 7,20
